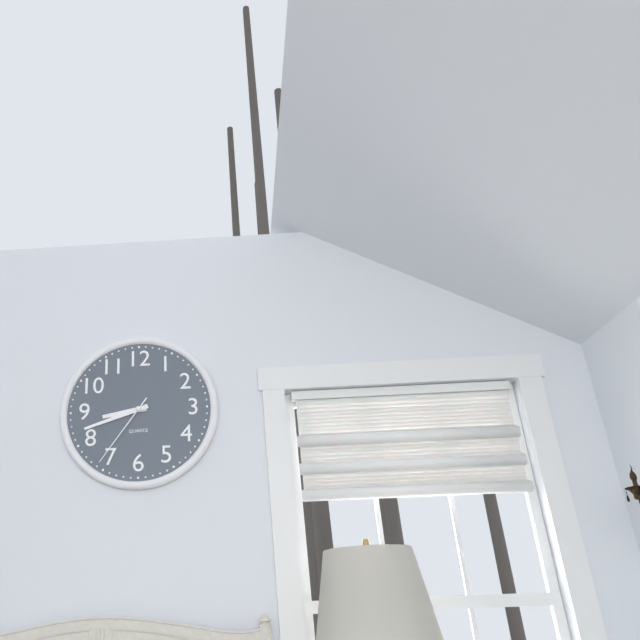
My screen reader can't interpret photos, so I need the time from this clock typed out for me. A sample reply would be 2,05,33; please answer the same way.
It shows 8,42,36
